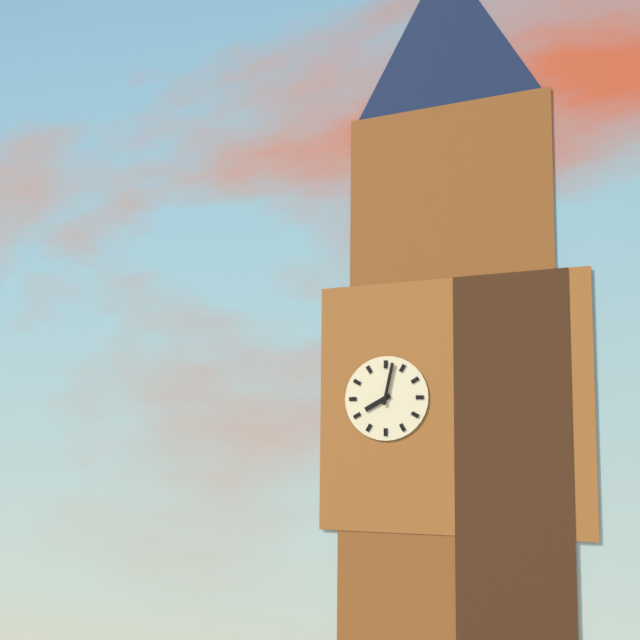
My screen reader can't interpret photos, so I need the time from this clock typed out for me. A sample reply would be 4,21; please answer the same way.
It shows 8,02
